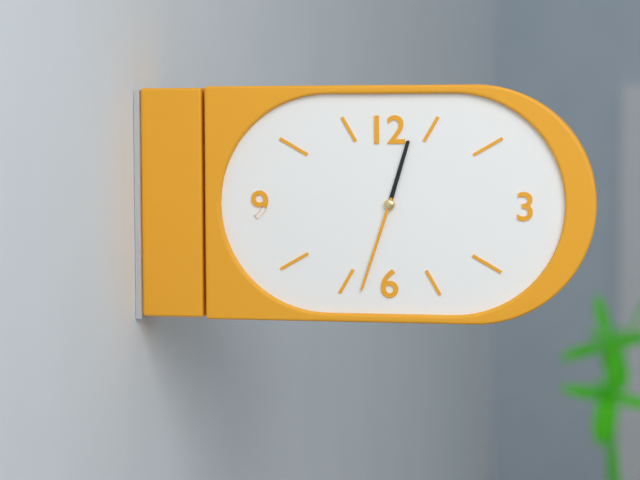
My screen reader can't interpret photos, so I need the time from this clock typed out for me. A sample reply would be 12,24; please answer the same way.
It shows 12,33
